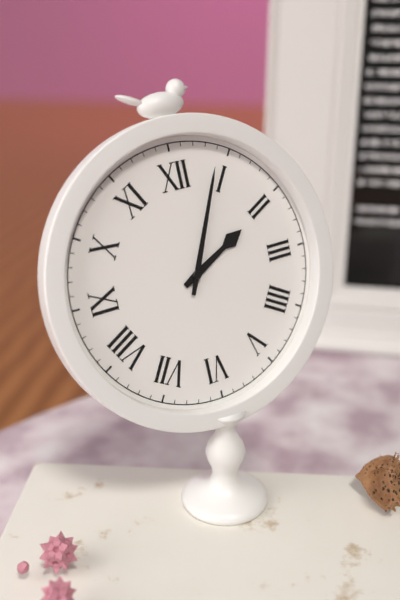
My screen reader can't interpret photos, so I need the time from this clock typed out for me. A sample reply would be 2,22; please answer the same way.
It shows 2,04
